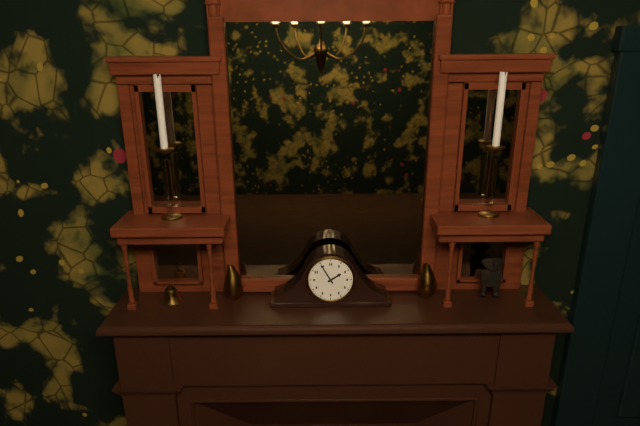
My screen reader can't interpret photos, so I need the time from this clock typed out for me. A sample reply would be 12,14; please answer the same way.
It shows 1,55
